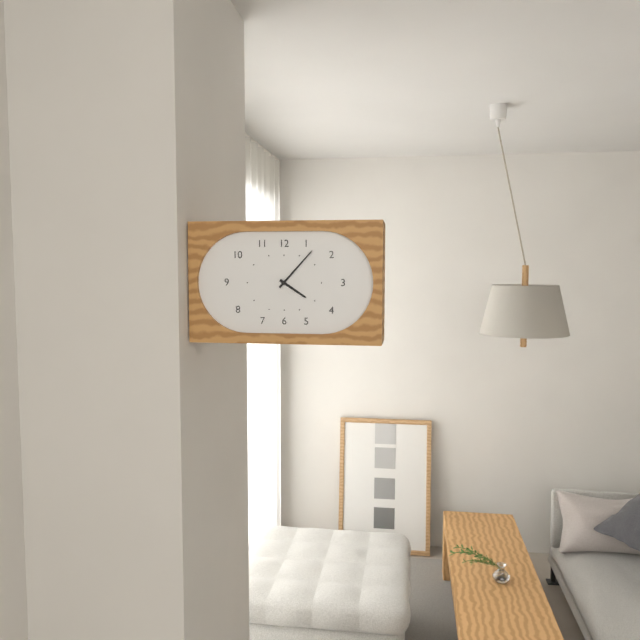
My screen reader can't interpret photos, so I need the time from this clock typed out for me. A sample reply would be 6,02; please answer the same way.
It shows 4,07
